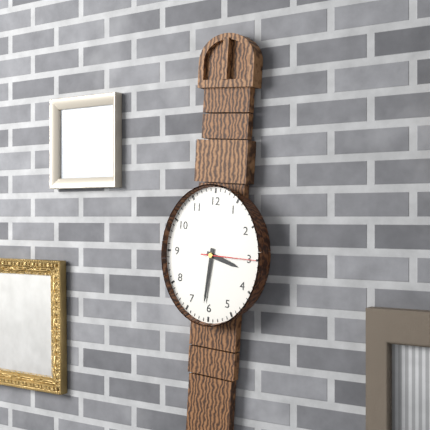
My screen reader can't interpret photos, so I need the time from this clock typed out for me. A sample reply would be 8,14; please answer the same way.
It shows 3,31
